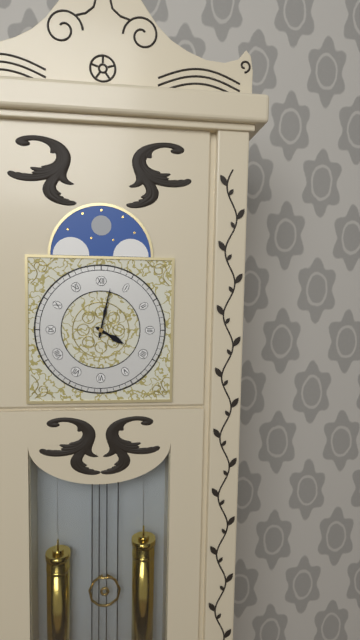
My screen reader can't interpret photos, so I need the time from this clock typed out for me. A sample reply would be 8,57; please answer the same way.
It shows 4,02
